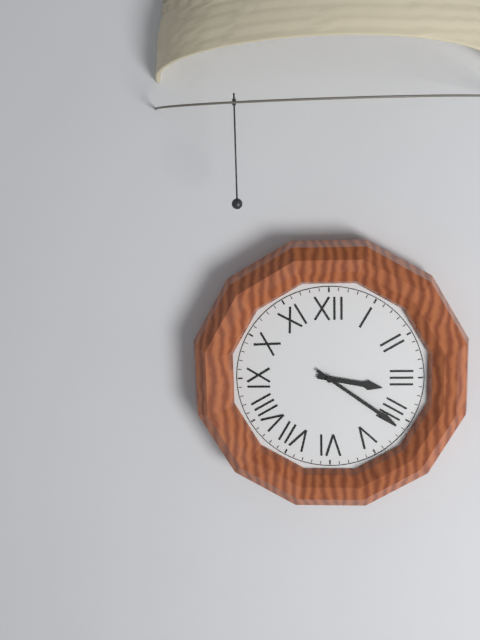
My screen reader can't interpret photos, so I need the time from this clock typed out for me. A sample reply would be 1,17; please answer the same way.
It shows 3,21
